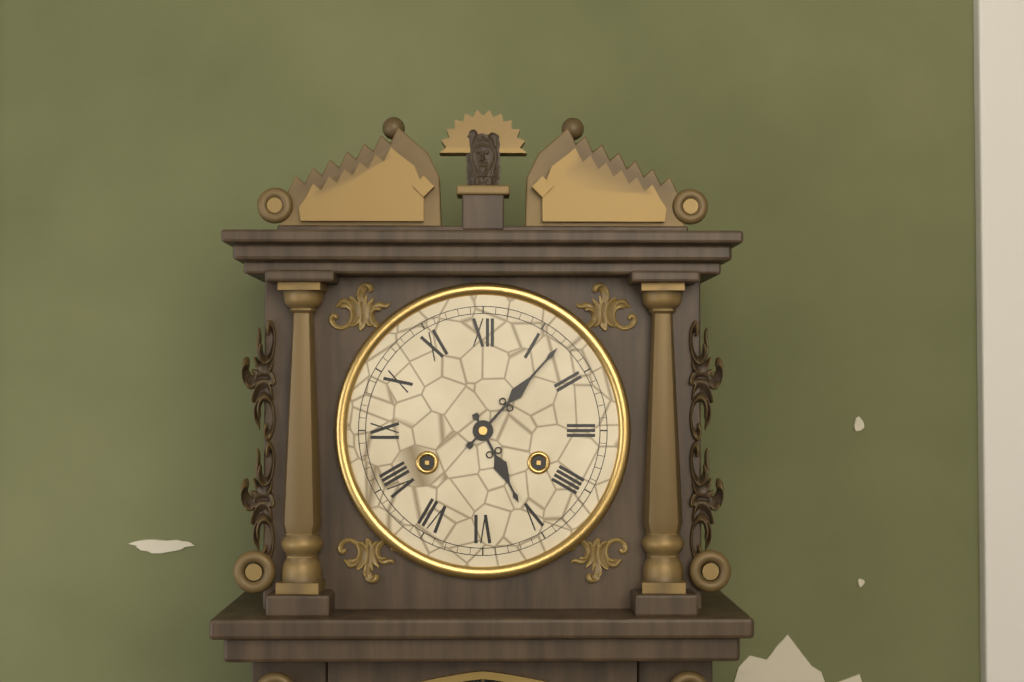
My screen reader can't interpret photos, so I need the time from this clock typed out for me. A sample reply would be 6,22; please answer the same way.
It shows 5,07
